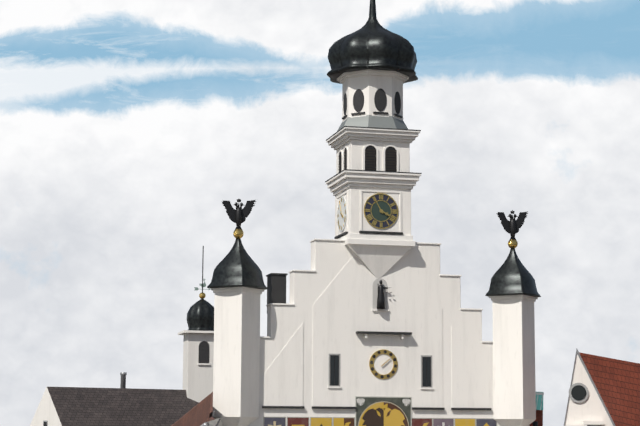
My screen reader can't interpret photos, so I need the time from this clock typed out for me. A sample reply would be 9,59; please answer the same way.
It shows 3,55
